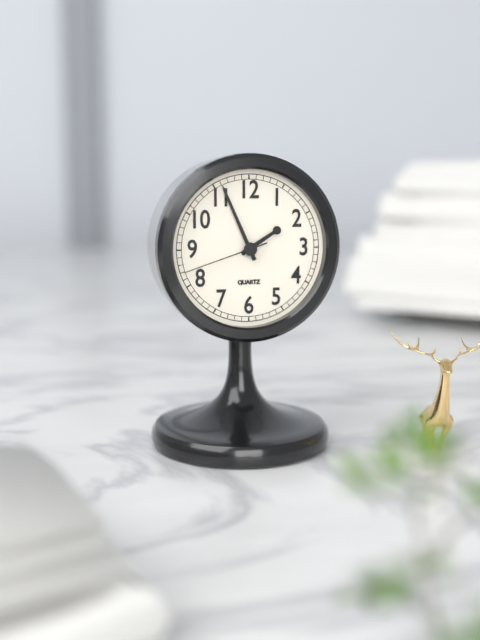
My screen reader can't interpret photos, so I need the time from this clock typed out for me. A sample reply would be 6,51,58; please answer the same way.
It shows 1,56,42
